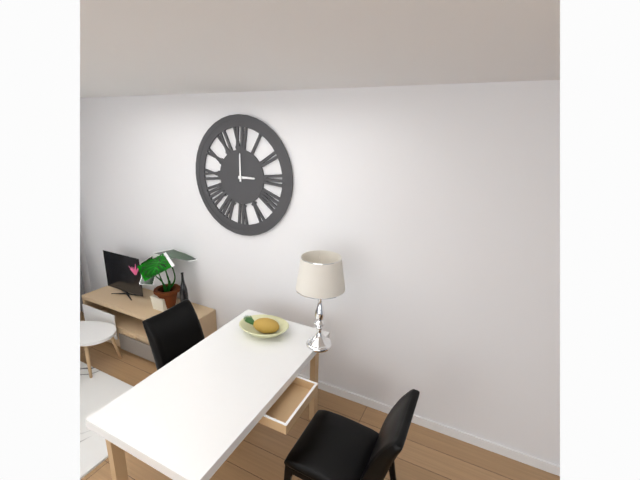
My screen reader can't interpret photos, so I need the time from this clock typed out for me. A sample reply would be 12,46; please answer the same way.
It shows 3,00
